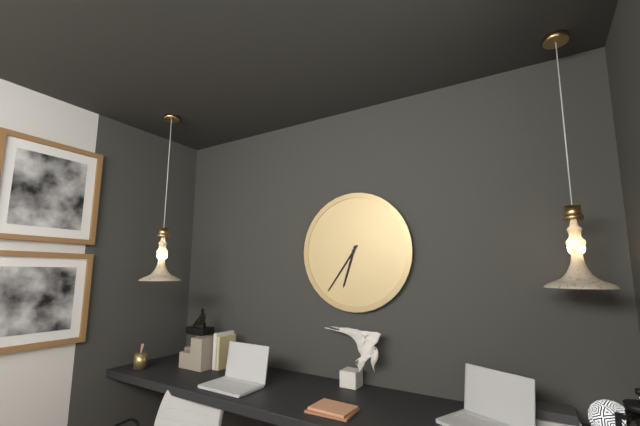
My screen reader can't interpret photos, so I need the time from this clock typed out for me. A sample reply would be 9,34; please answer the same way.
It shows 6,36
